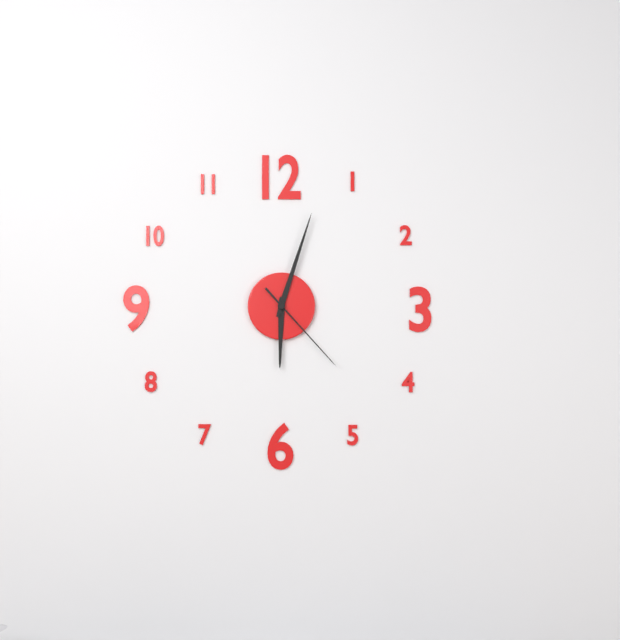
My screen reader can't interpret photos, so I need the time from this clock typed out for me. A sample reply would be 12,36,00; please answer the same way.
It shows 6,03,23
